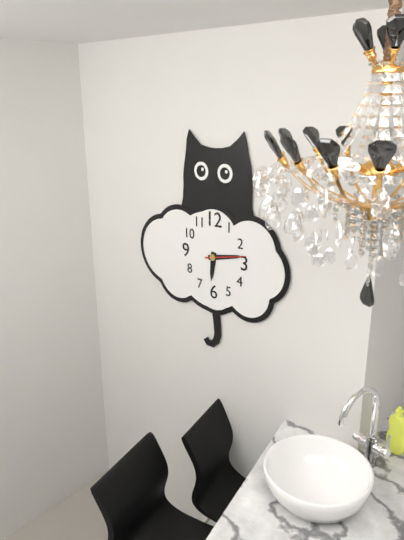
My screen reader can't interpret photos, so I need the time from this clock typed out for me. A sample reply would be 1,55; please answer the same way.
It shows 6,13
